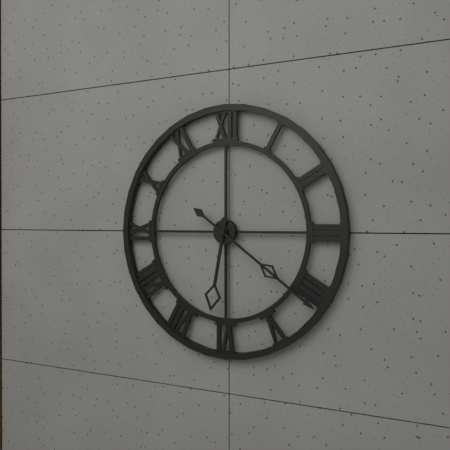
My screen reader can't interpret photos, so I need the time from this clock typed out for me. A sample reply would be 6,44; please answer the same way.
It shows 6,21
